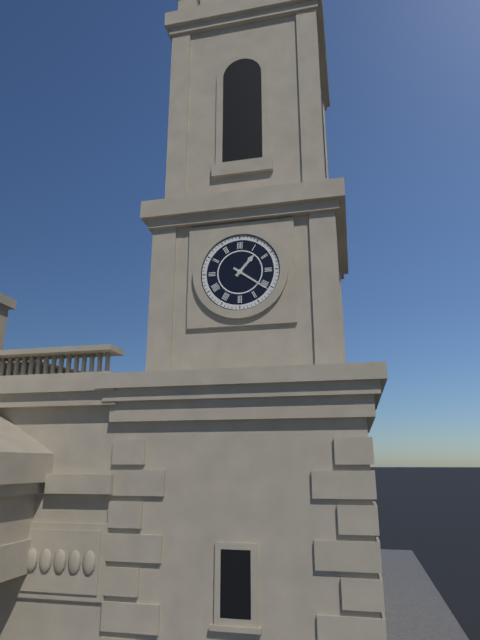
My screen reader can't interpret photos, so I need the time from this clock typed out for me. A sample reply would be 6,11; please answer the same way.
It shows 1,21
